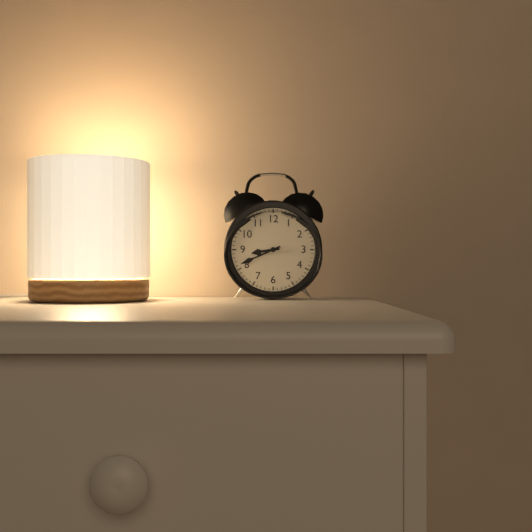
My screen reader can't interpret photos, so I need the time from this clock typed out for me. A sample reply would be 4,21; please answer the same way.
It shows 8,41
